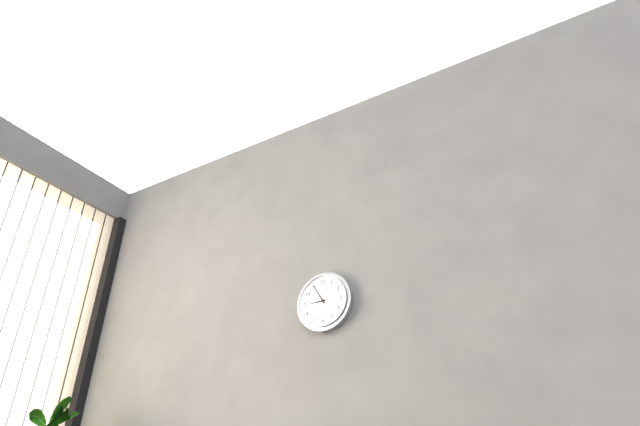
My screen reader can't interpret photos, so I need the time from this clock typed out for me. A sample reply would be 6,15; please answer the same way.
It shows 8,55
